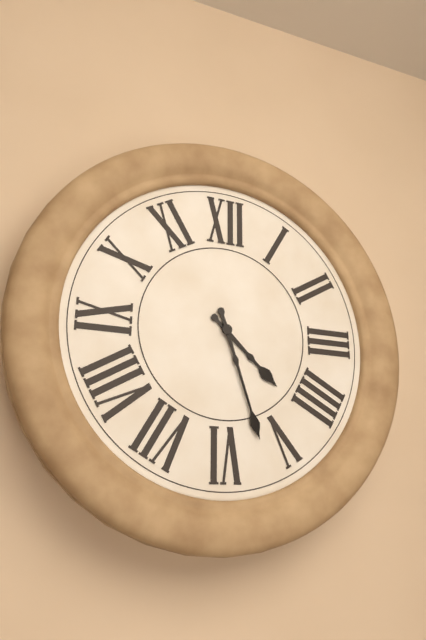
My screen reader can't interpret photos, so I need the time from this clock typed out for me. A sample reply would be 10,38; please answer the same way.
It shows 4,27
